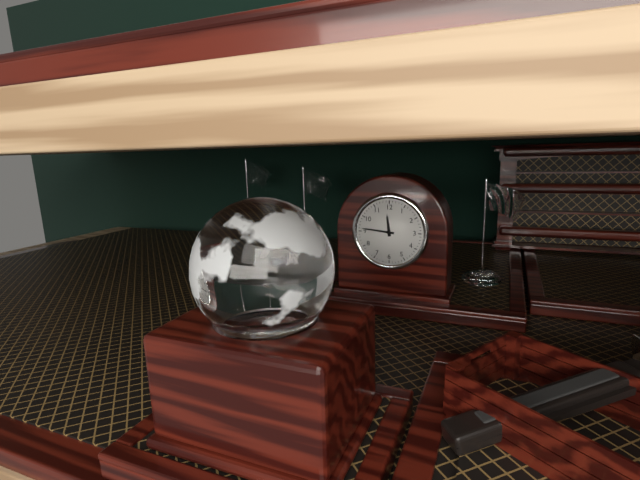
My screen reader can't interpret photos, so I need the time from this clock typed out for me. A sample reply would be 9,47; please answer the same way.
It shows 11,46
